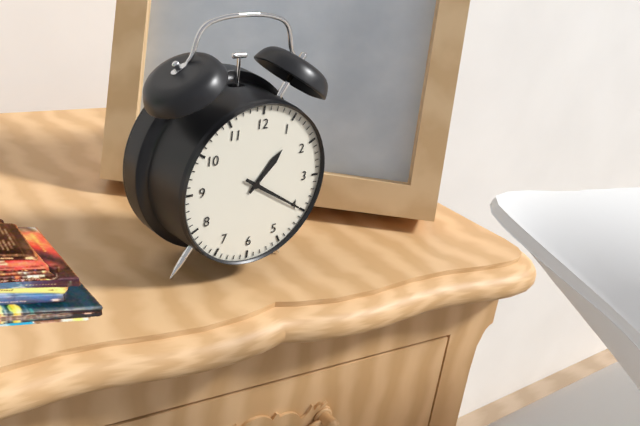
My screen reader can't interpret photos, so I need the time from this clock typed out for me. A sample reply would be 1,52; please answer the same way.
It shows 1,20
